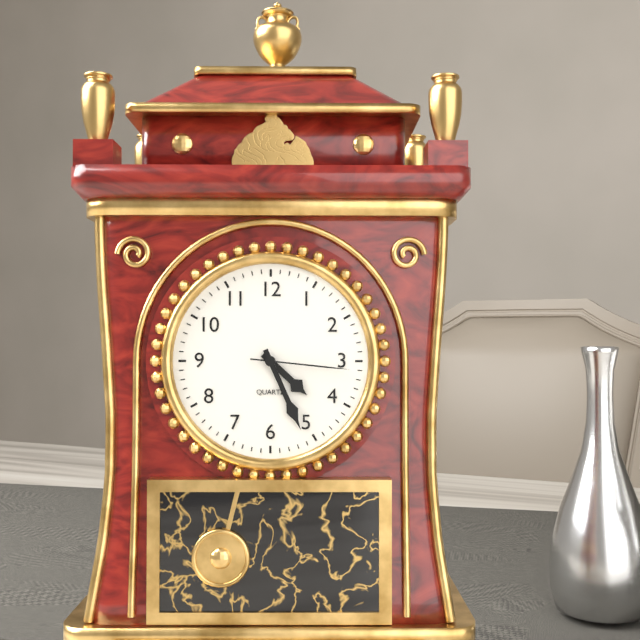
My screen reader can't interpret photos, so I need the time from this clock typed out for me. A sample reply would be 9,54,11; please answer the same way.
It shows 4,26,16
